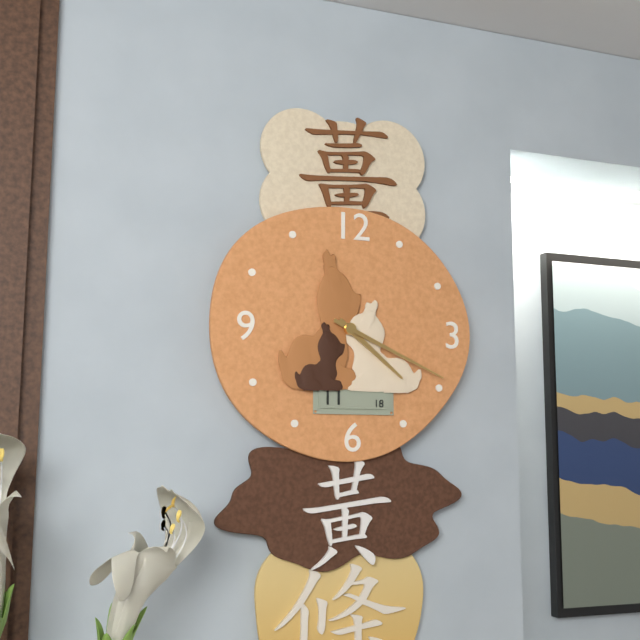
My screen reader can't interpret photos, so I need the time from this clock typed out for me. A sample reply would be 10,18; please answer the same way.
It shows 4,19
